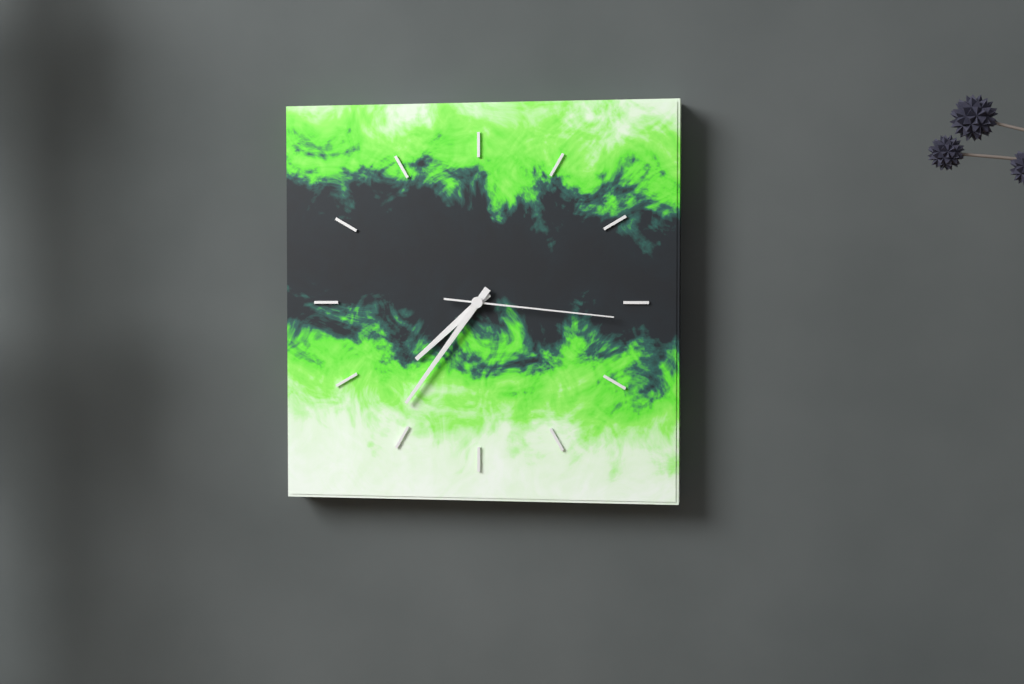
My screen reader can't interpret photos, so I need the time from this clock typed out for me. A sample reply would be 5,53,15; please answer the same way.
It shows 7,36,16
